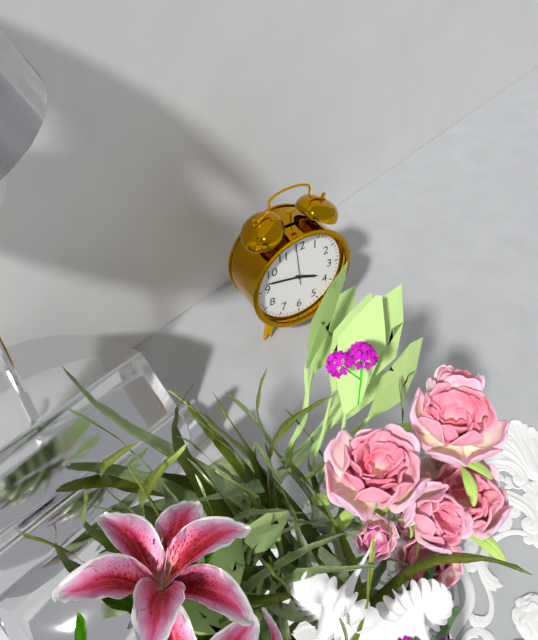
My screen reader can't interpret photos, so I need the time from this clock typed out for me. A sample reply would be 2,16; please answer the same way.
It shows 3,47
